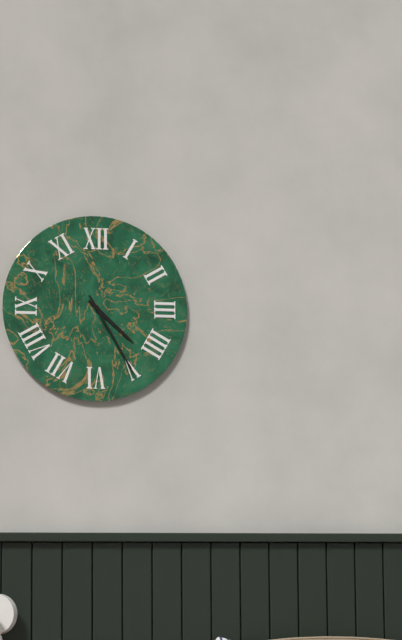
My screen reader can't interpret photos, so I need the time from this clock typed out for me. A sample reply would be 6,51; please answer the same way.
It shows 4,25
